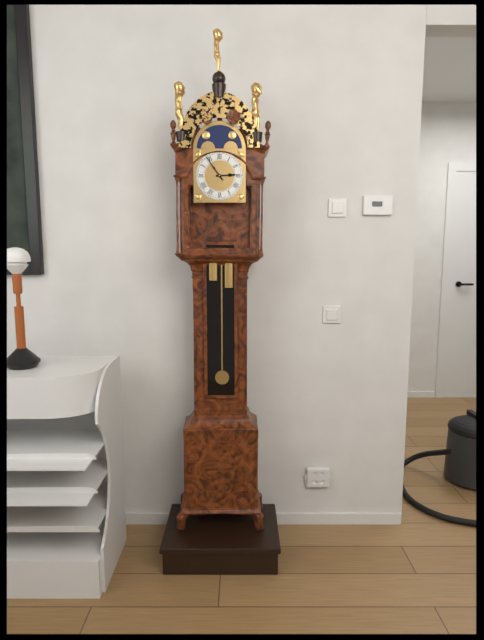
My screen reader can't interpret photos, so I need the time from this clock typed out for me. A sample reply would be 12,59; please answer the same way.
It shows 2,54
